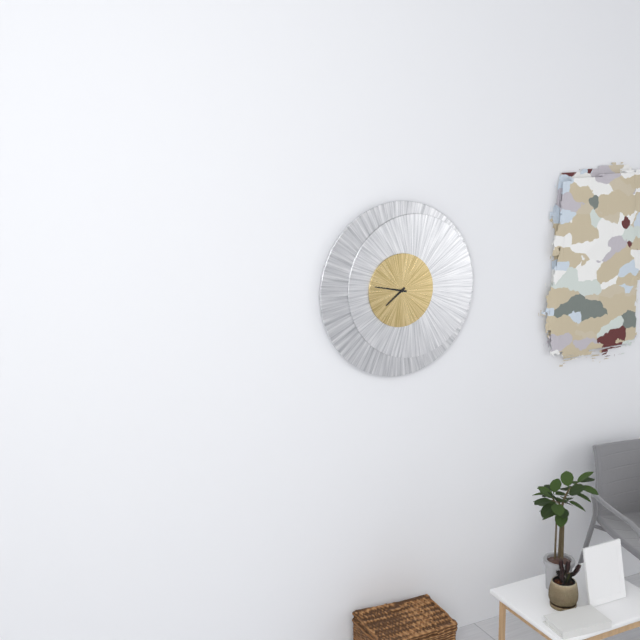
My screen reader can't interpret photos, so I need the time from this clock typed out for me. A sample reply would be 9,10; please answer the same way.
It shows 7,47
